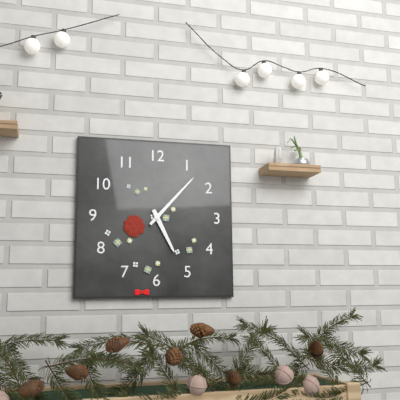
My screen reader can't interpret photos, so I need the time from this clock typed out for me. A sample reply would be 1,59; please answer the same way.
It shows 5,07
